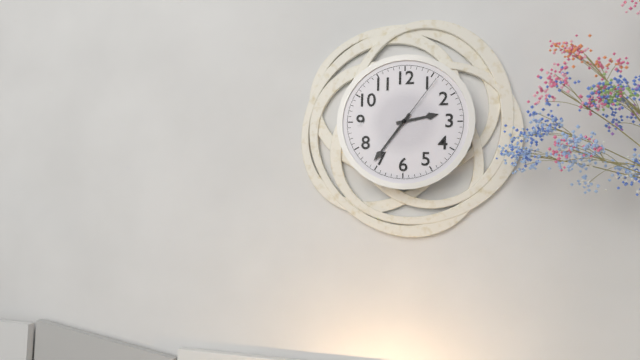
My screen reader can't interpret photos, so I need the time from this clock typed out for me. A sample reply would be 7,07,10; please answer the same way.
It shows 2,36,06
